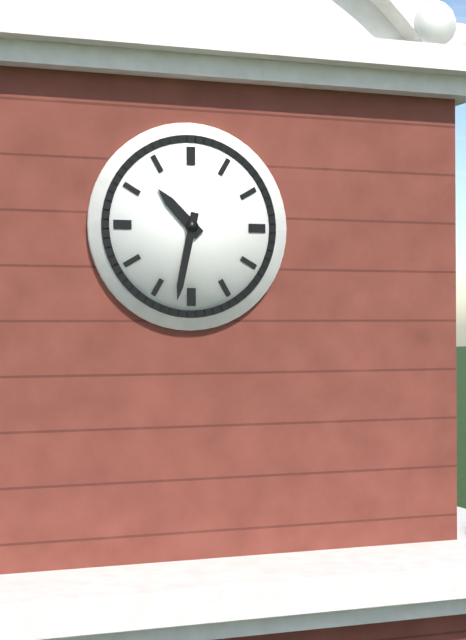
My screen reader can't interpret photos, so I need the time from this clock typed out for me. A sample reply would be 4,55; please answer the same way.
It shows 10,32
